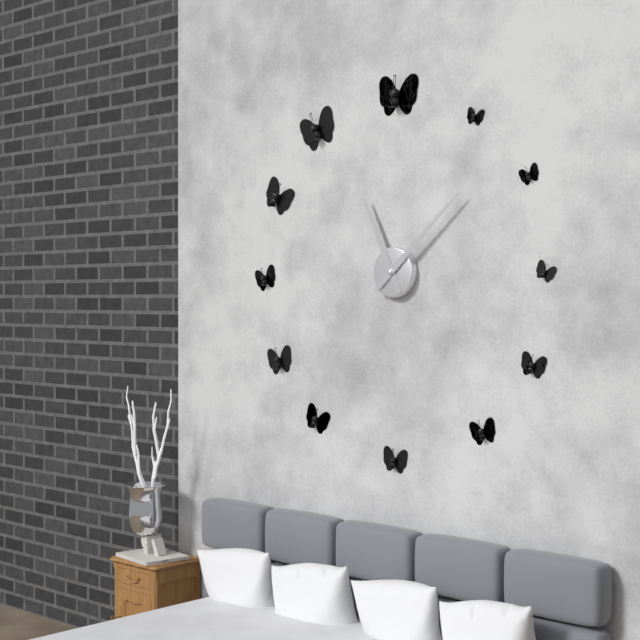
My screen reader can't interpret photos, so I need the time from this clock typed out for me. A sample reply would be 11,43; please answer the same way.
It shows 11,08
